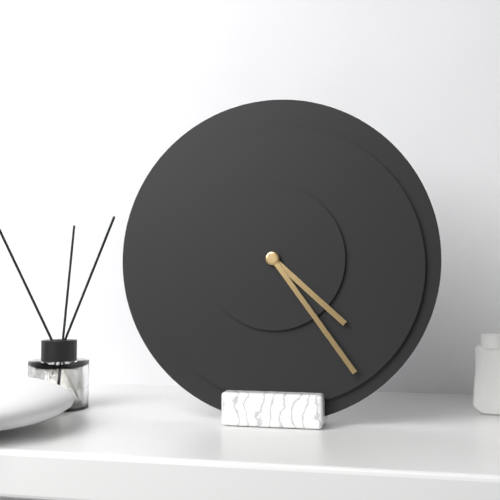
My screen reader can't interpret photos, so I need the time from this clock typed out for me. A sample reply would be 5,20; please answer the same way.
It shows 4,24
